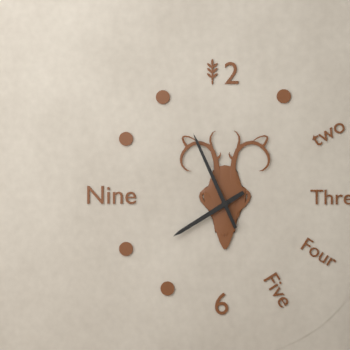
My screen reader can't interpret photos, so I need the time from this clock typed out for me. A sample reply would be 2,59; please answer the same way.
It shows 7,56
